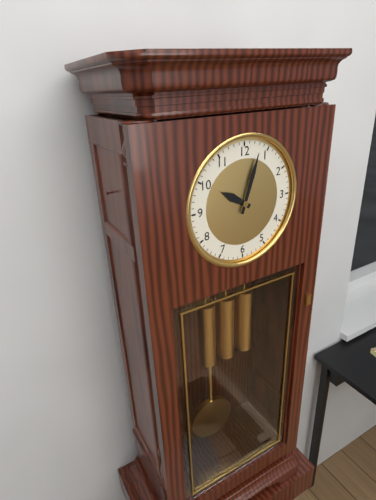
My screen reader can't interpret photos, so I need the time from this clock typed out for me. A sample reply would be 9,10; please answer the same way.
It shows 10,03
